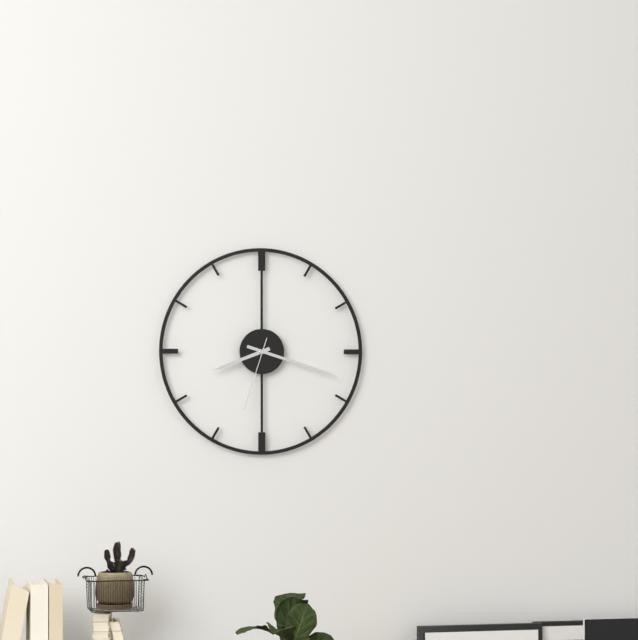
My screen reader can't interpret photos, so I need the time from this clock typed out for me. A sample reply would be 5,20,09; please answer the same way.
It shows 8,18,33
